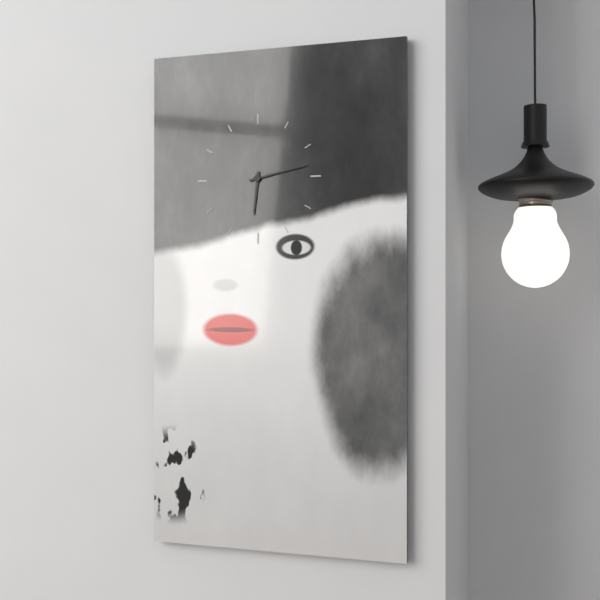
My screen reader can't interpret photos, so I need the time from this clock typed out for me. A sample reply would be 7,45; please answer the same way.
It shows 6,13
